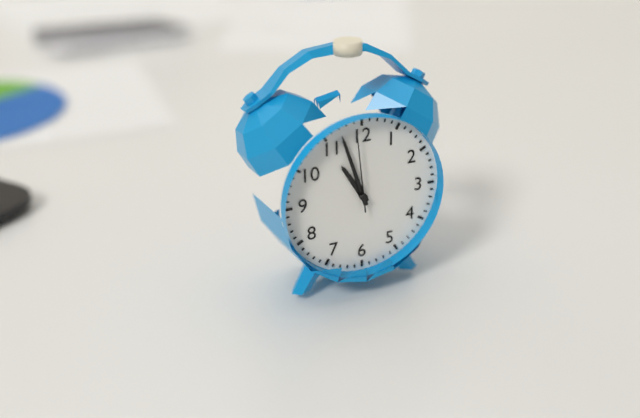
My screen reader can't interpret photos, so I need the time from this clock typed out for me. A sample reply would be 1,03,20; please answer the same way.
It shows 10,57,59
